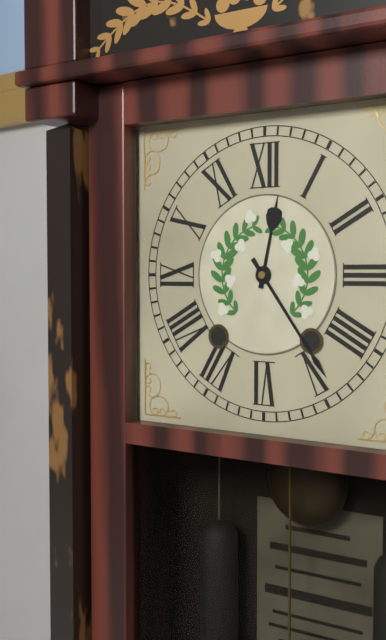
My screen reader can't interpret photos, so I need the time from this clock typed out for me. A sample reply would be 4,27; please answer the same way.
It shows 12,24
